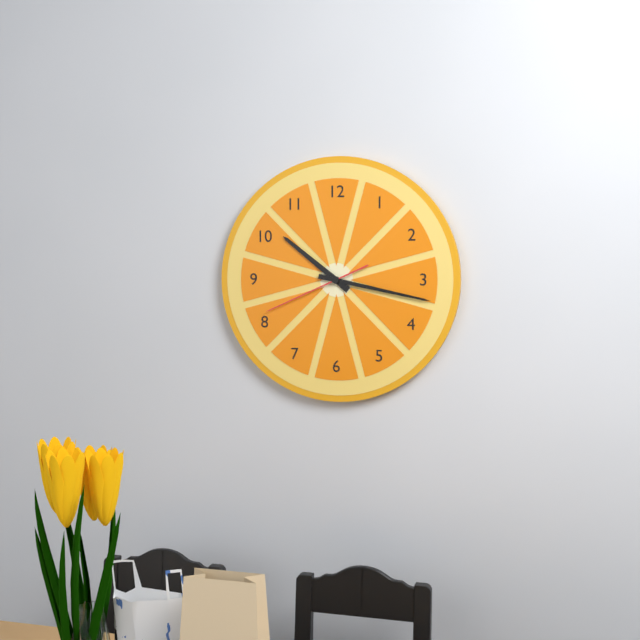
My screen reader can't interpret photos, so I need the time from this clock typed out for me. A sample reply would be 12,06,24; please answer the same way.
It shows 10,17,41
